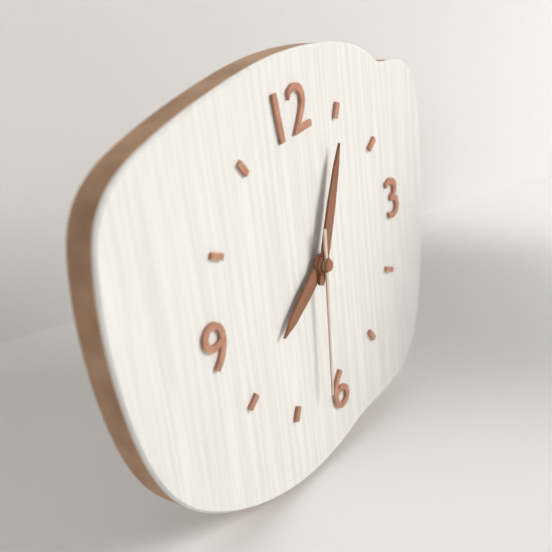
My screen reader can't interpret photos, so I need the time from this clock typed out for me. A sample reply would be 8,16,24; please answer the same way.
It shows 8,05,32
